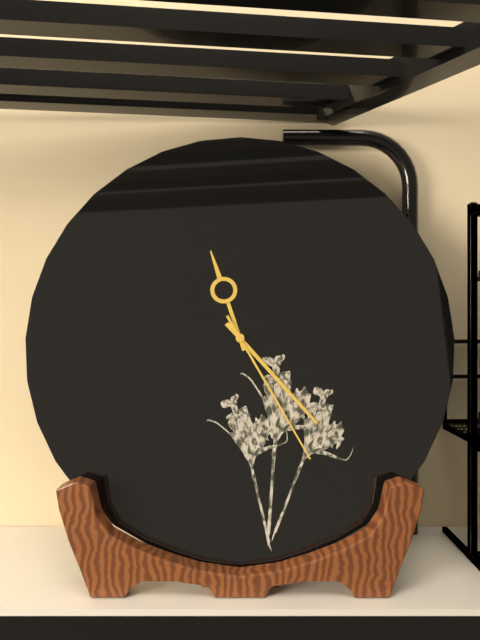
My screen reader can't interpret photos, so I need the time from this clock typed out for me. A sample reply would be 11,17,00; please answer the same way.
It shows 11,23,25
